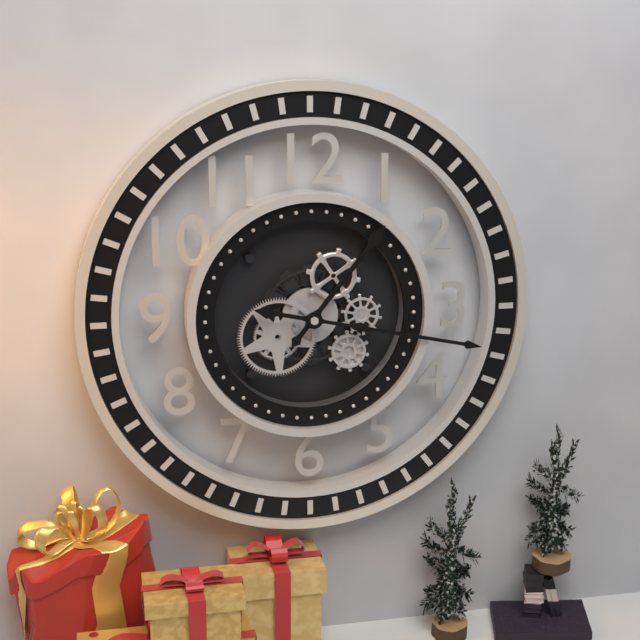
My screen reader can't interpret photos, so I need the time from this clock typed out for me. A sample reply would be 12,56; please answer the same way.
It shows 1,17
